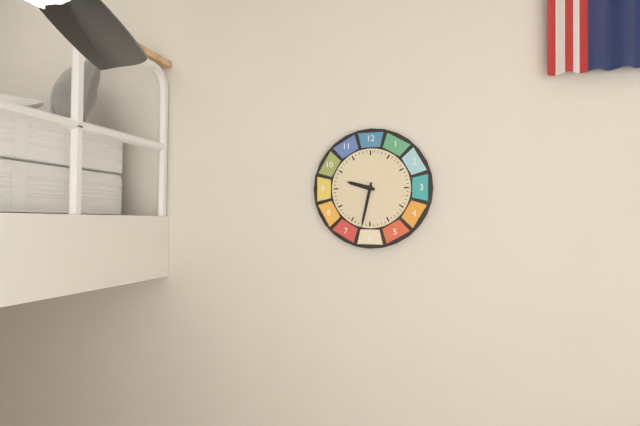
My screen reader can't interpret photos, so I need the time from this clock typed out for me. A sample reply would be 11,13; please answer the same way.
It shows 9,32
